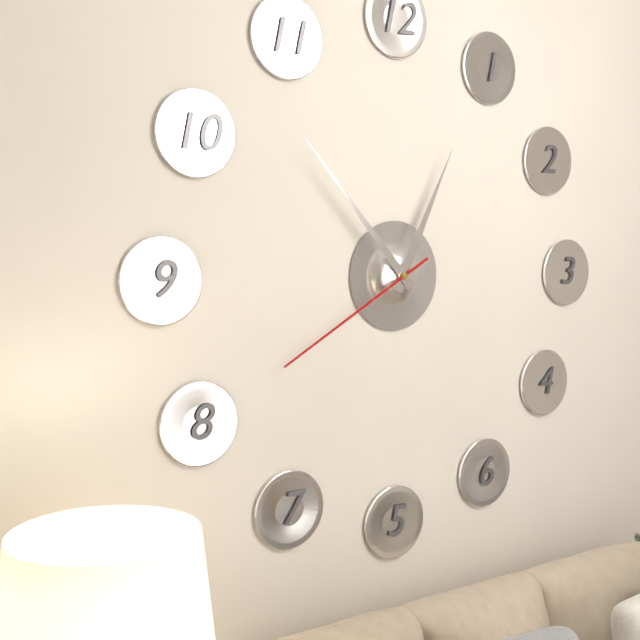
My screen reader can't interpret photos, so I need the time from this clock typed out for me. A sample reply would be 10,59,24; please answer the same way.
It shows 12,53,40
